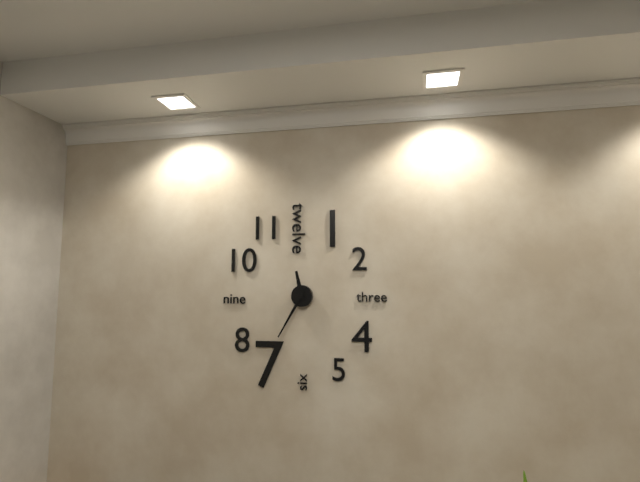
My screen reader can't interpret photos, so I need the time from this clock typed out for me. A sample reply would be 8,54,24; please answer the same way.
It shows 11,35,35
